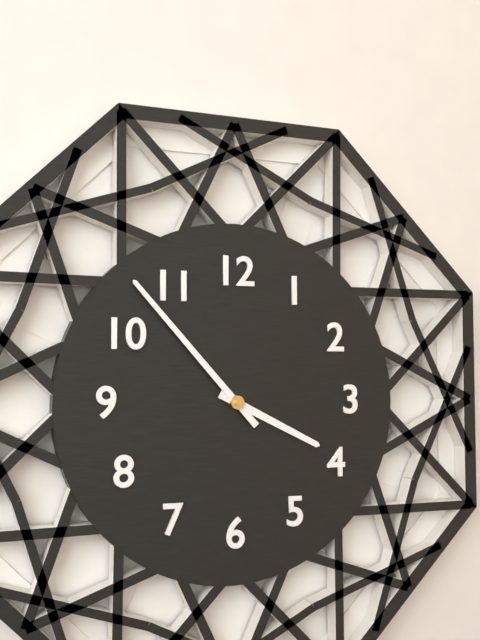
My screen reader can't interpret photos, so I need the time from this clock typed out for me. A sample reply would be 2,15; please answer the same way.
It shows 3,53
